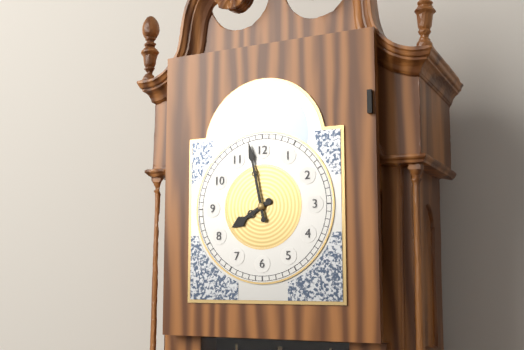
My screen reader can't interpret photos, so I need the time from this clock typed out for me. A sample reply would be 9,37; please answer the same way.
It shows 7,58
